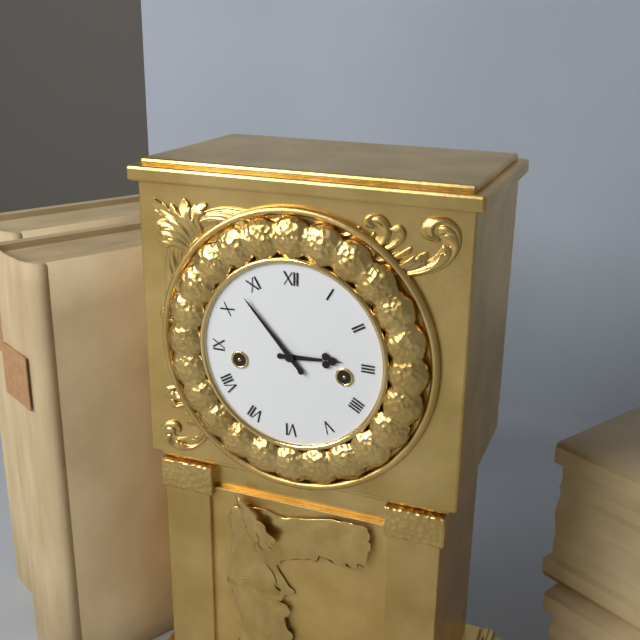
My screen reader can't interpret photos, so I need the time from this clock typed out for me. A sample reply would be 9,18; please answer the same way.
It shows 2,53
